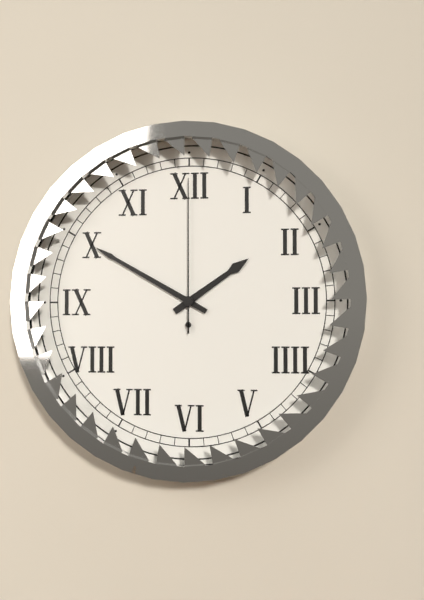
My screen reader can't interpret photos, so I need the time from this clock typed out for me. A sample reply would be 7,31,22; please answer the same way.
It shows 1,50,00
